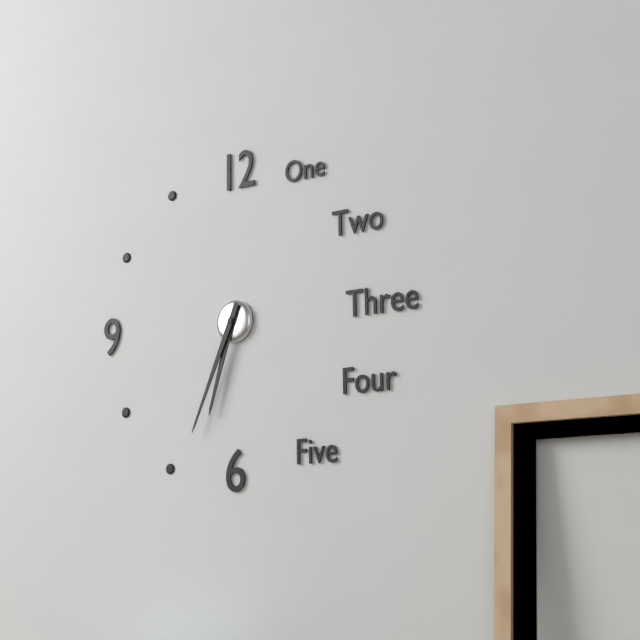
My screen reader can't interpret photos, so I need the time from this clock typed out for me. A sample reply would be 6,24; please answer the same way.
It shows 6,34
